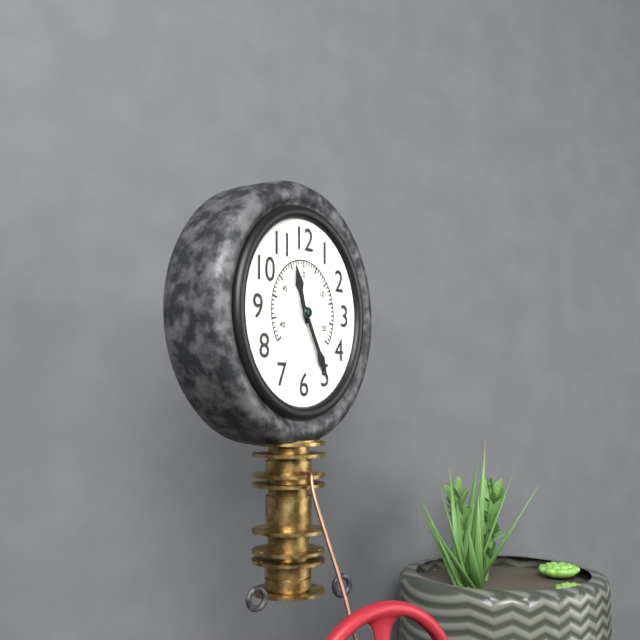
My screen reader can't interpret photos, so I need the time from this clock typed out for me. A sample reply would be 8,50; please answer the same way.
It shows 11,25
